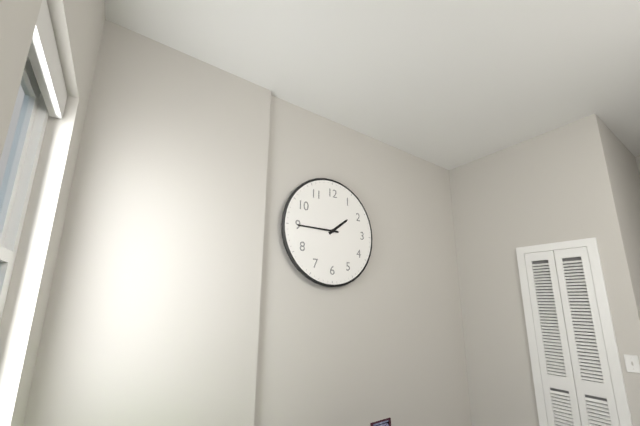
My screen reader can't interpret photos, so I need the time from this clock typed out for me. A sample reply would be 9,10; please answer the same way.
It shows 1,45
